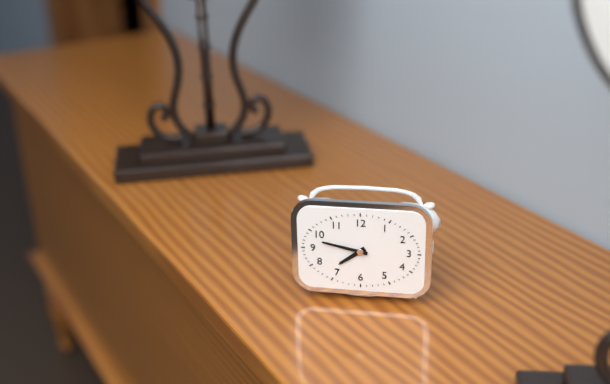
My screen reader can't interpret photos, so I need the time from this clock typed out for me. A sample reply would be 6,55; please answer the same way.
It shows 7,47
